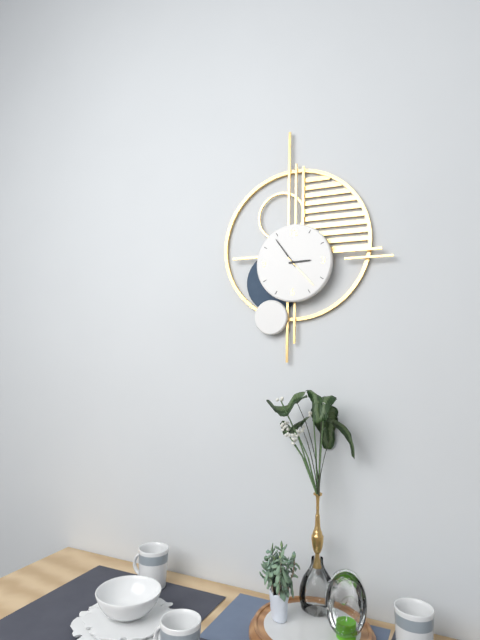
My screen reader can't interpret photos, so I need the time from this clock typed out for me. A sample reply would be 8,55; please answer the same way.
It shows 2,54
